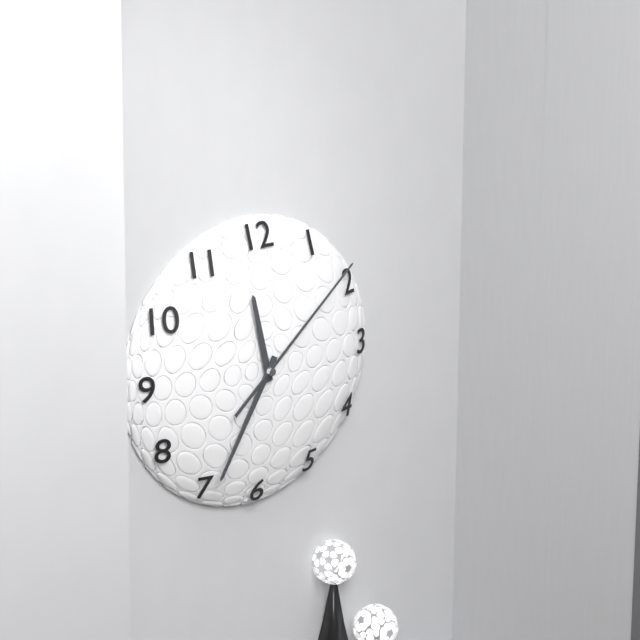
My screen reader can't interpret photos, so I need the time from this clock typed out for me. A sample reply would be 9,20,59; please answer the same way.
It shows 11,35,08
